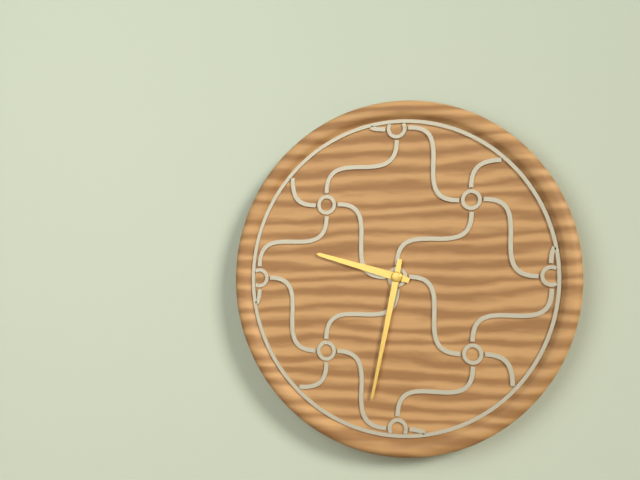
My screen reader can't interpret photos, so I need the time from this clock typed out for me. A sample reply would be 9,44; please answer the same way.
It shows 9,32
